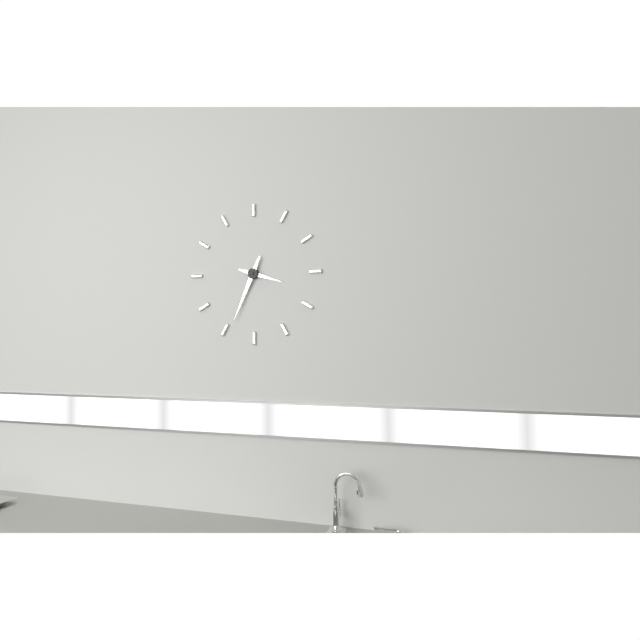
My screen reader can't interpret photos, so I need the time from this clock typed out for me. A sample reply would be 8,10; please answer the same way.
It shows 3,34
